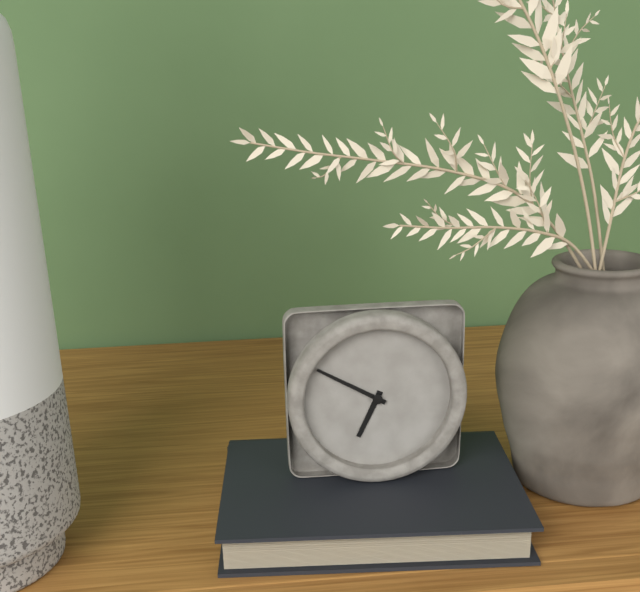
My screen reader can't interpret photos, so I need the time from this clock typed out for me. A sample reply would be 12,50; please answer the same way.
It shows 6,50
